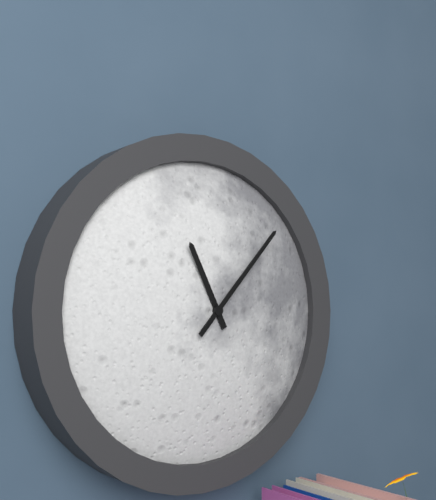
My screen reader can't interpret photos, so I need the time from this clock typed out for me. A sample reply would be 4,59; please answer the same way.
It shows 11,07
